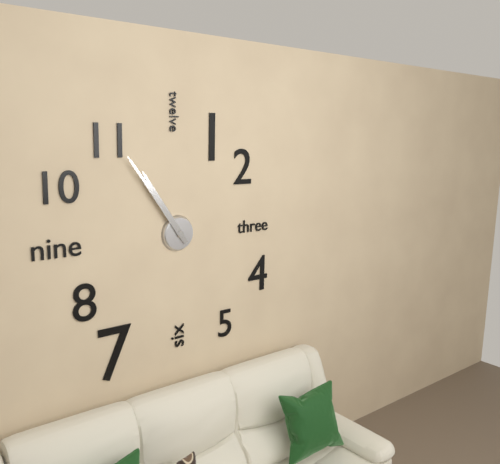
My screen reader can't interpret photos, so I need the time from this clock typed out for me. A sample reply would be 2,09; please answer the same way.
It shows 10,54
